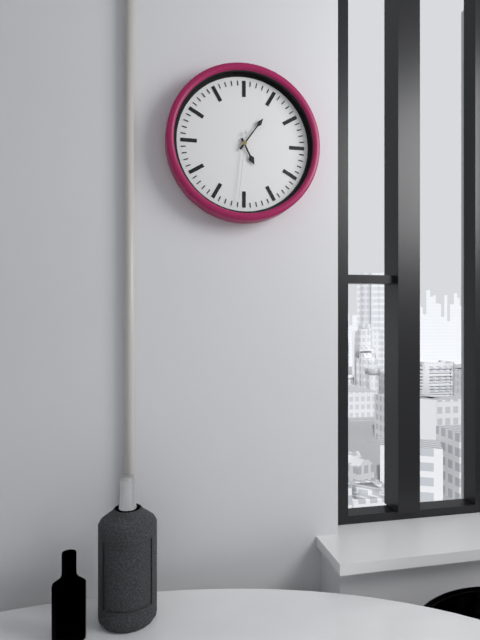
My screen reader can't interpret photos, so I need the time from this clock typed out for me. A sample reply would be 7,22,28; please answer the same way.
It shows 5,06,31
